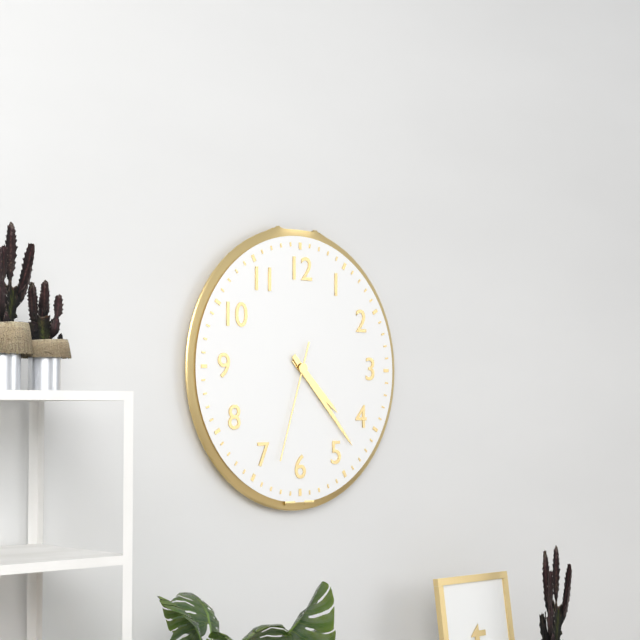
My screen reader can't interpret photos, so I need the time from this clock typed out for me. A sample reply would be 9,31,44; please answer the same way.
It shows 4,23,33
